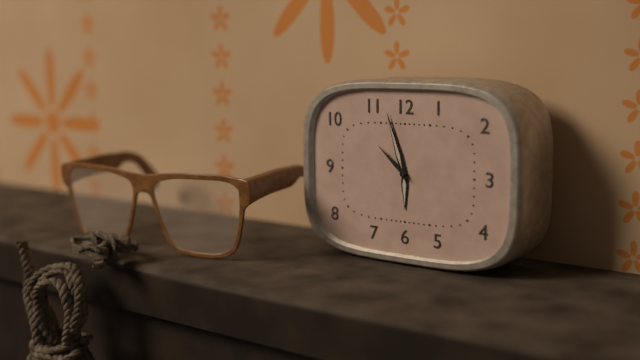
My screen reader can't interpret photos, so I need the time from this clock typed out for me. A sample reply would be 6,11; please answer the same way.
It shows 5,57
